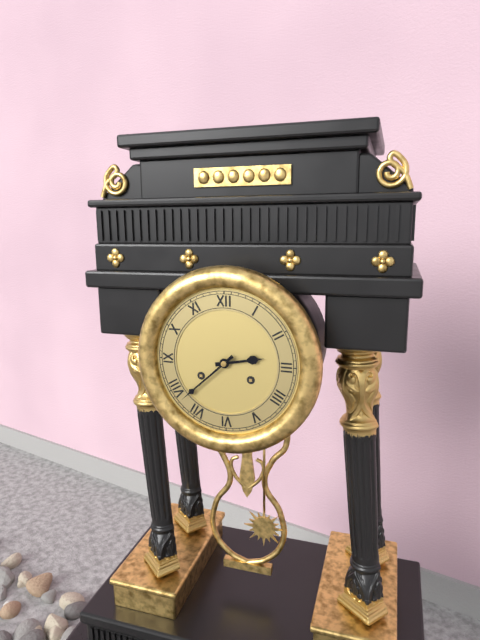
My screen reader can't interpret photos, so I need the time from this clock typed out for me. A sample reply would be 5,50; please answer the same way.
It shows 2,38
